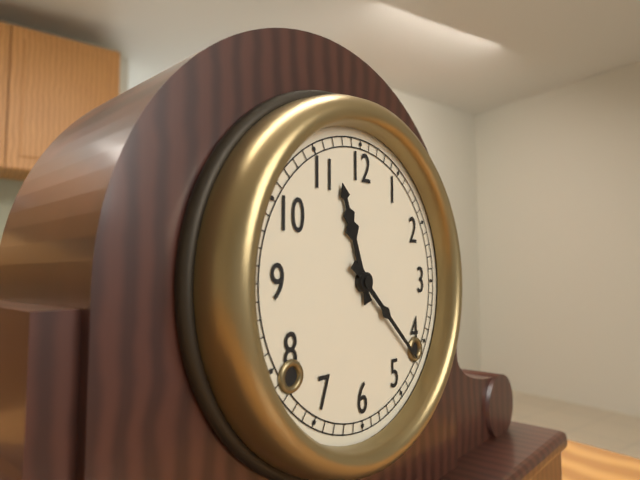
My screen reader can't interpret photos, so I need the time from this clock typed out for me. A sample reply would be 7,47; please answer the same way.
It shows 11,22
